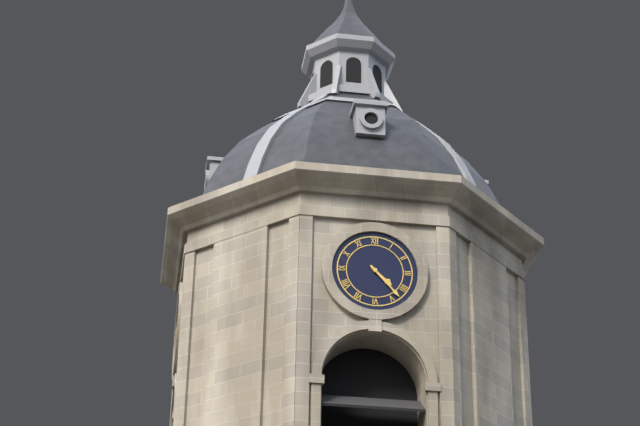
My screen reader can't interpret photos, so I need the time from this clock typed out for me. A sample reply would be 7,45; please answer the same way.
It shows 4,23
